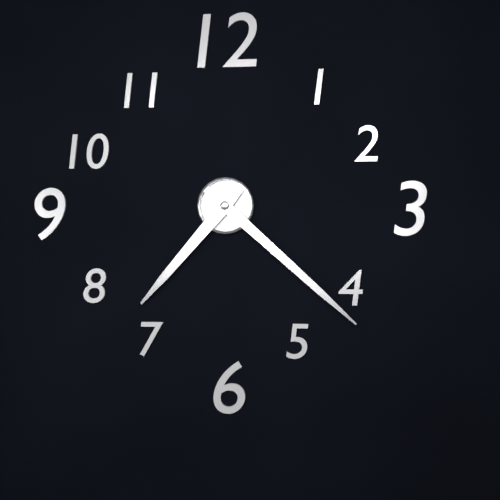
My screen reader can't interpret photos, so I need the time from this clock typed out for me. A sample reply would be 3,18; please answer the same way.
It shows 7,22
